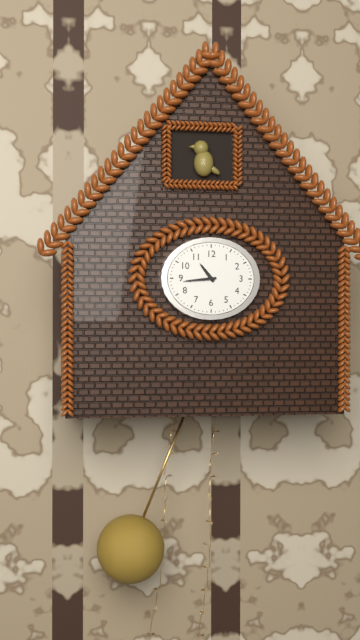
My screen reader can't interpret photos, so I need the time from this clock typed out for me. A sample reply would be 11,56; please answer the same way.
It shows 10,44
